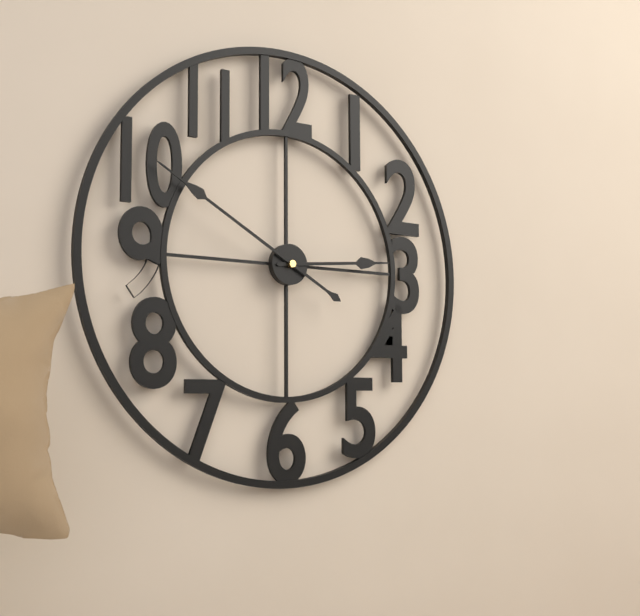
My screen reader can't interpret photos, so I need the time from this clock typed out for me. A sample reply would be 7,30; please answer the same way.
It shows 2,50
